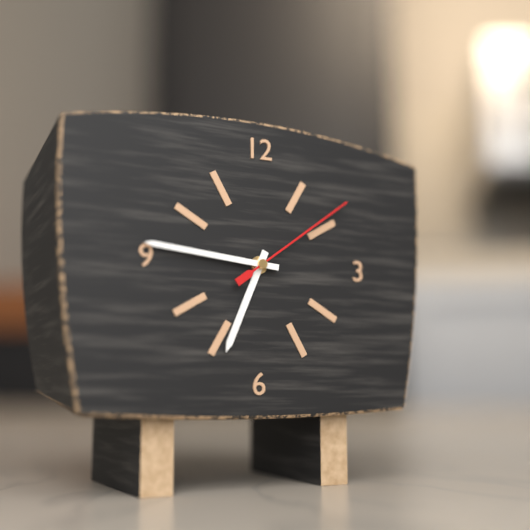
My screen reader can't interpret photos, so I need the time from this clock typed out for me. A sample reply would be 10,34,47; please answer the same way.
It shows 6,46,09
